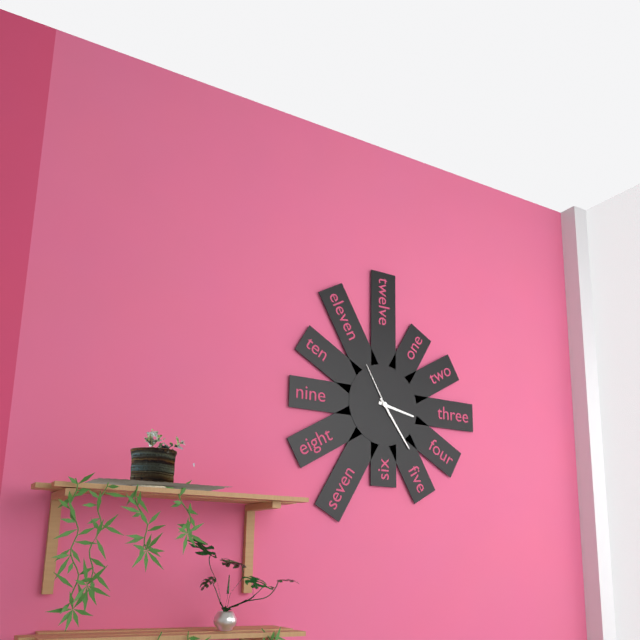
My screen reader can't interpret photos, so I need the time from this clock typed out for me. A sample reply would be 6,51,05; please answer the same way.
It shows 3,24,55
